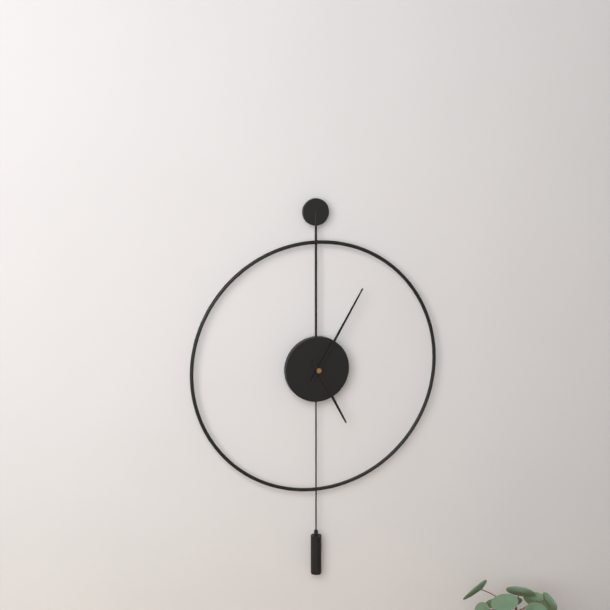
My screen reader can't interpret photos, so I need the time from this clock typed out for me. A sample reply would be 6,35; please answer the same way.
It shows 5,05
